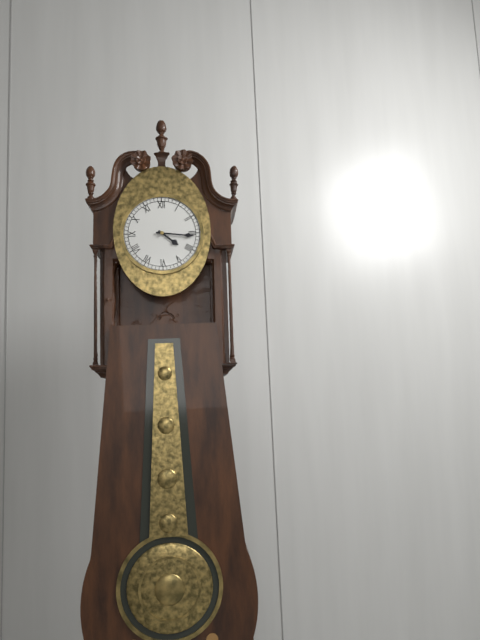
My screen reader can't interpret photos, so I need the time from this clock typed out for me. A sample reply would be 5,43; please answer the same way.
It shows 4,16
